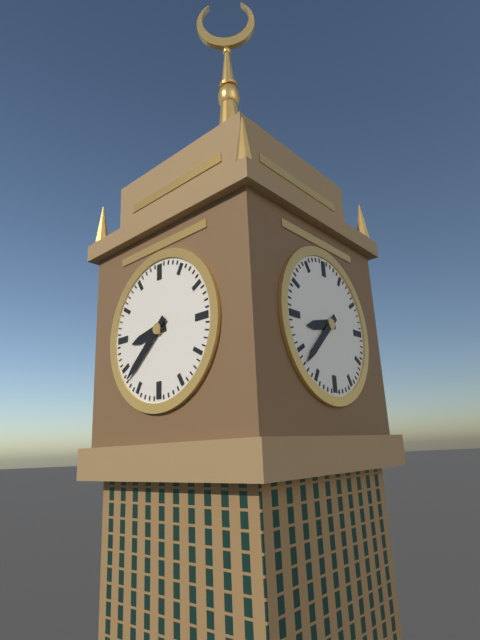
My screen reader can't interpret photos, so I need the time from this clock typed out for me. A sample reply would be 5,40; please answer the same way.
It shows 8,38
